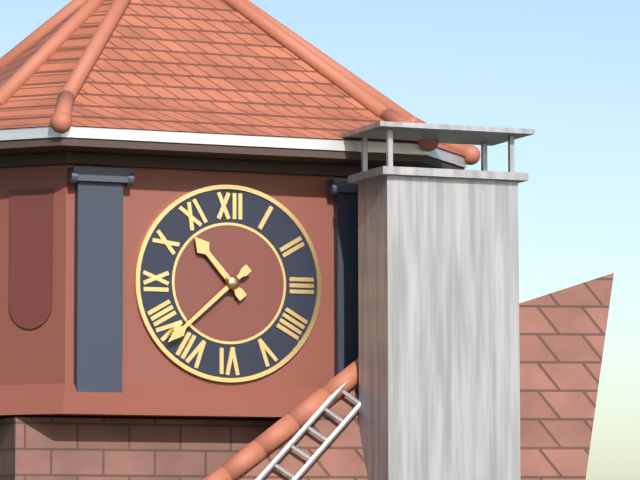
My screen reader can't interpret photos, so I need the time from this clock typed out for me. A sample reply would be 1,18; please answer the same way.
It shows 10,38
